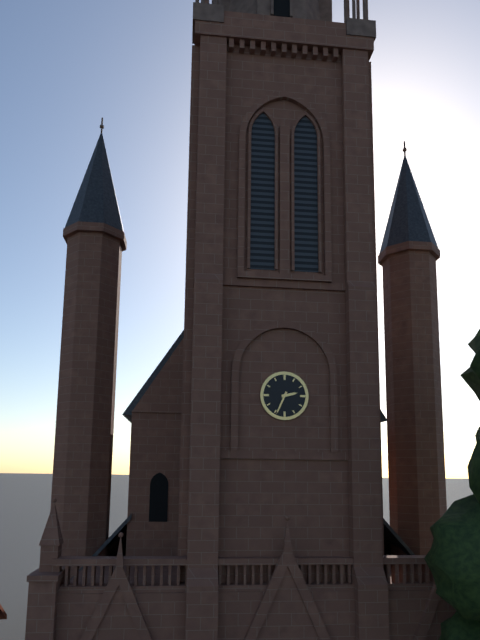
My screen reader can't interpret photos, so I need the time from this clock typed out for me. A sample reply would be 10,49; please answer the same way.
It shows 2,34
